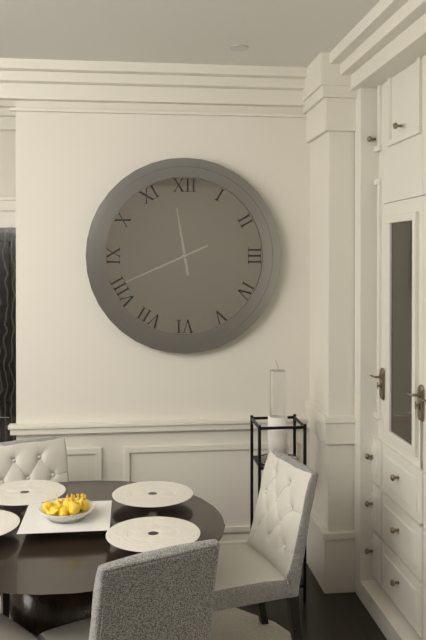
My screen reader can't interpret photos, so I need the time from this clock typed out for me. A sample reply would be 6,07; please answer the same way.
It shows 11,41
